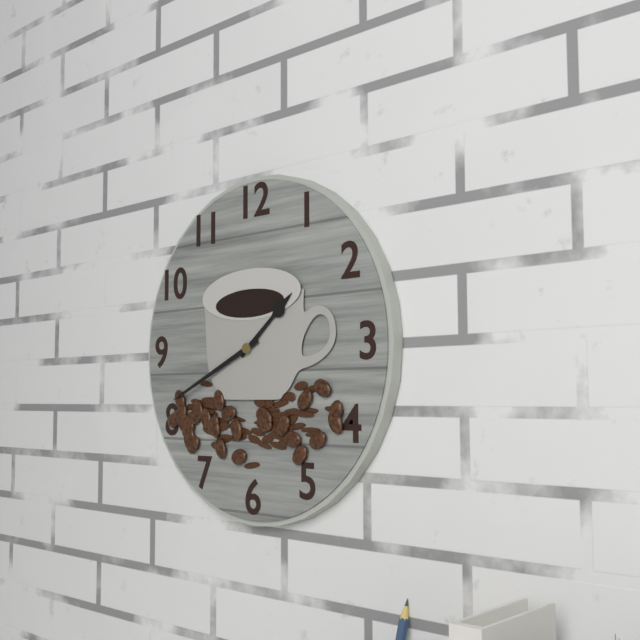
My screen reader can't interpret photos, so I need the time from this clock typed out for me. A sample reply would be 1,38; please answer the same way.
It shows 1,41
